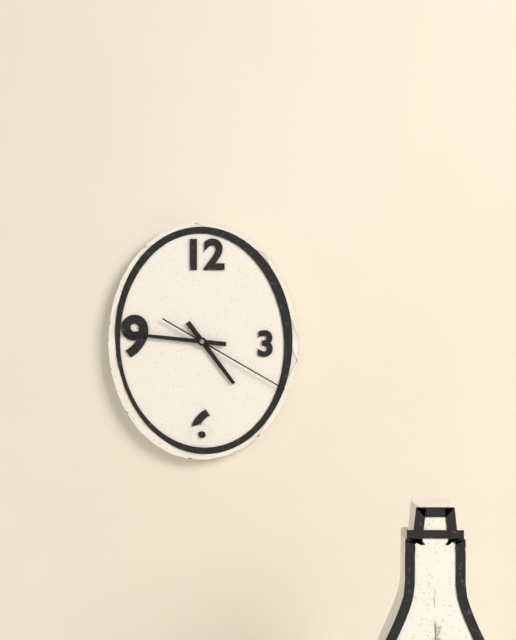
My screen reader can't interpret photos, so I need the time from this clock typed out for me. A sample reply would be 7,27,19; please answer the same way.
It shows 4,46,20
